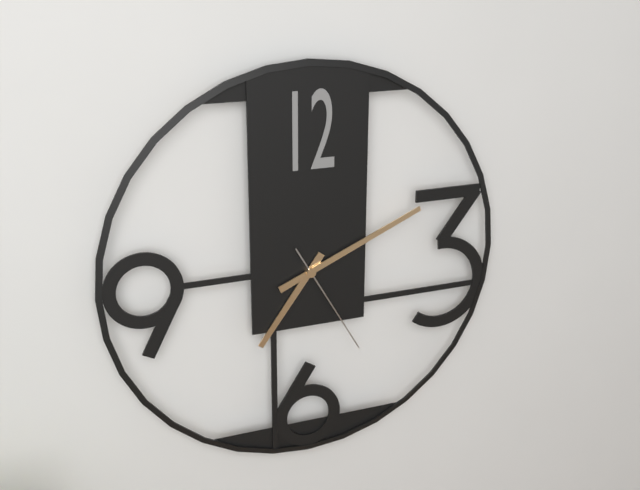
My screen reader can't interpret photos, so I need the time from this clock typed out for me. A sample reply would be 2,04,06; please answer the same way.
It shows 7,11,25
